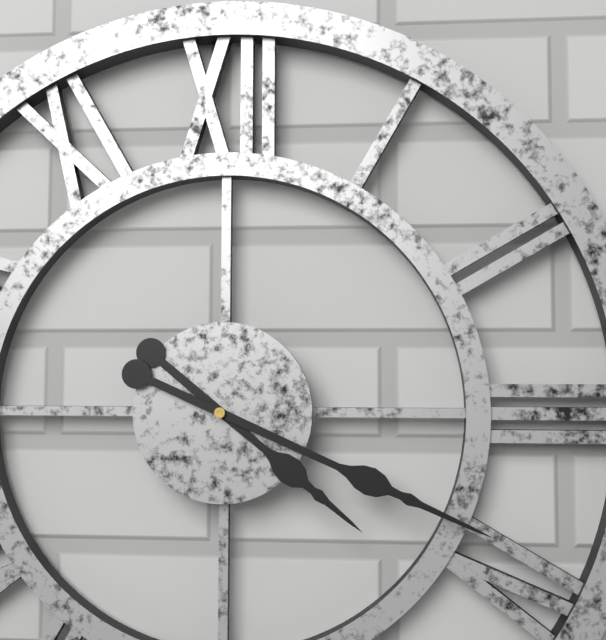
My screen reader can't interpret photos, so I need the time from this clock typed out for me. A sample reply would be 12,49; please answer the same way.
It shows 4,19
